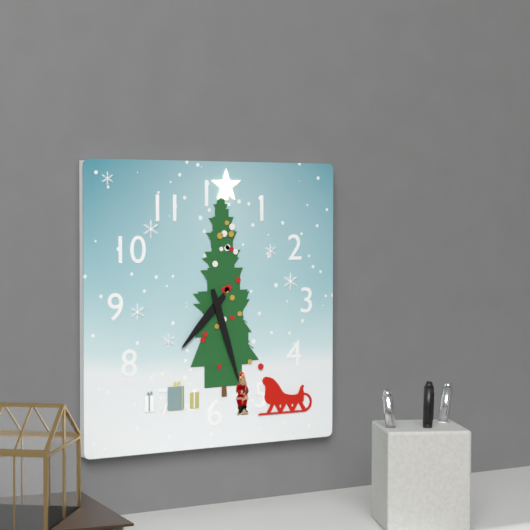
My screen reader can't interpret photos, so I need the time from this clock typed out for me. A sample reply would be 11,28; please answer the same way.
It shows 7,27
